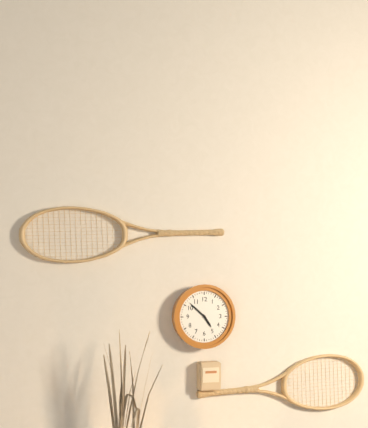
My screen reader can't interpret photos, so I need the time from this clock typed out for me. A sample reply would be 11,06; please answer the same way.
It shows 4,52
